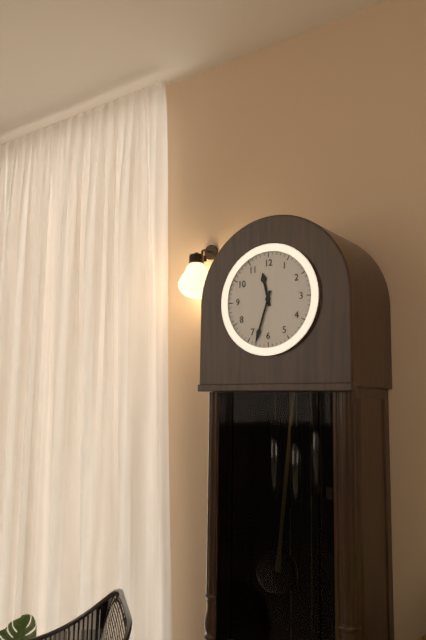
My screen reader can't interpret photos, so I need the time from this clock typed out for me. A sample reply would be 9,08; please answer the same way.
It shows 11,33
